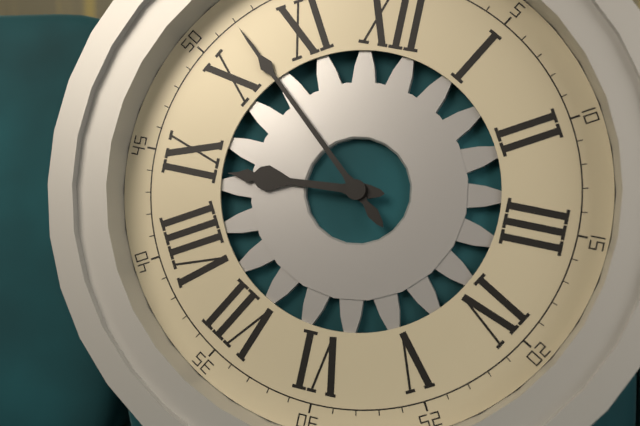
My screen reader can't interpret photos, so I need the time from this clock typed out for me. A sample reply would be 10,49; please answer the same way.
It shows 8,52
